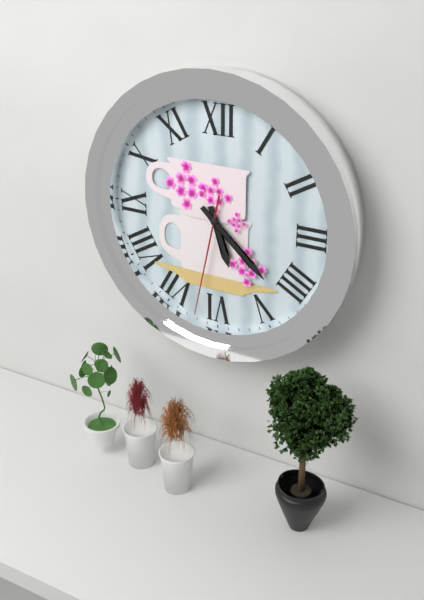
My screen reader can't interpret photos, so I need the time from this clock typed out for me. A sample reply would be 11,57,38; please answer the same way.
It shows 5,22,32
